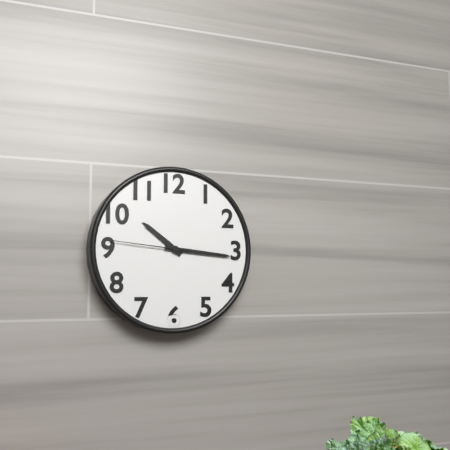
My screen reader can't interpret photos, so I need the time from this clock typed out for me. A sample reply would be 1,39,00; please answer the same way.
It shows 10,16,46
